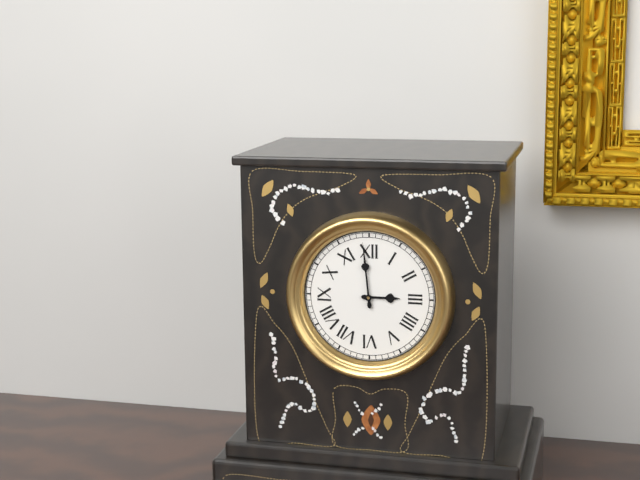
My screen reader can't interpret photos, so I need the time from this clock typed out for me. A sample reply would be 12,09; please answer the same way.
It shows 2,59
